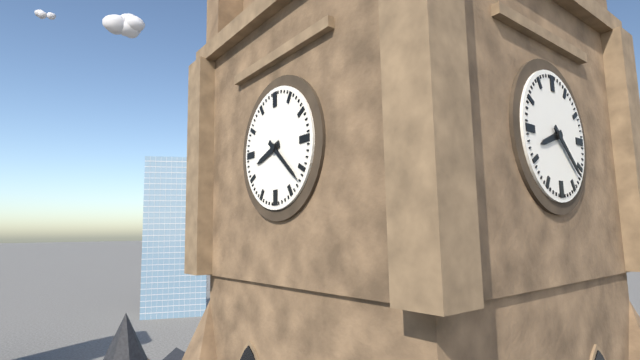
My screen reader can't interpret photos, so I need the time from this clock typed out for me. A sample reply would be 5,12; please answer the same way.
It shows 8,22
